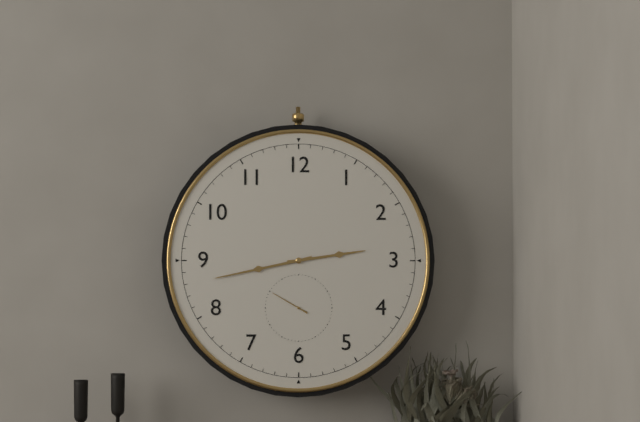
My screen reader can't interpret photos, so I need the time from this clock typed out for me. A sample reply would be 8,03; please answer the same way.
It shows 2,43
